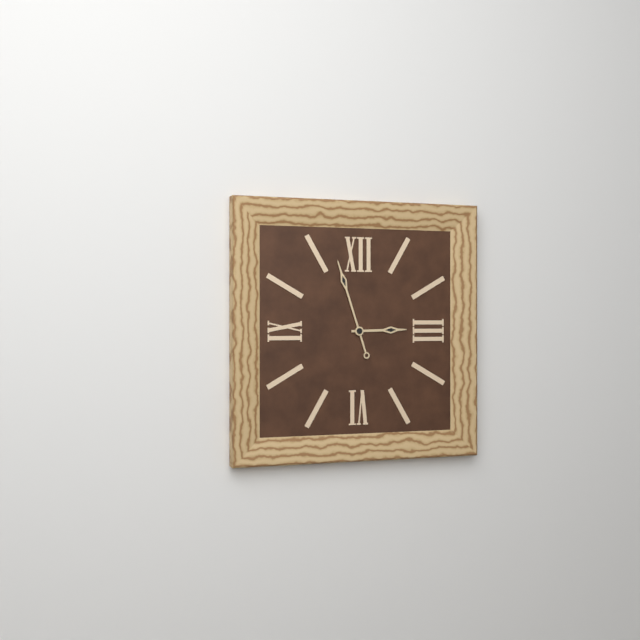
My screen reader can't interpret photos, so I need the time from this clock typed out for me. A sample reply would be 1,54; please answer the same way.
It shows 2,57
